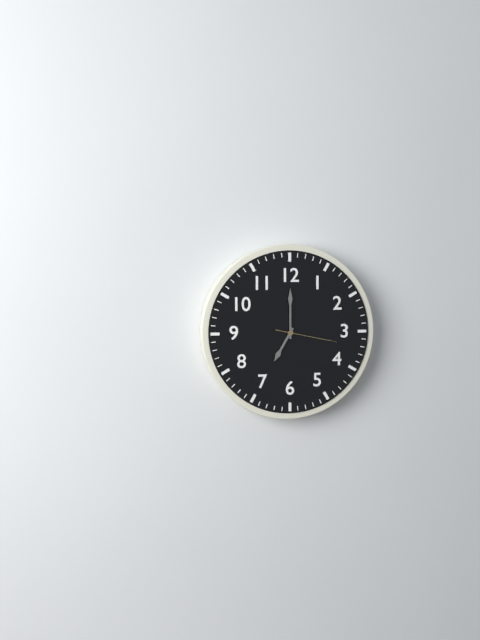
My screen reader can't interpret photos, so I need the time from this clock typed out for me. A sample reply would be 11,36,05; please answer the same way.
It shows 7,00,17
